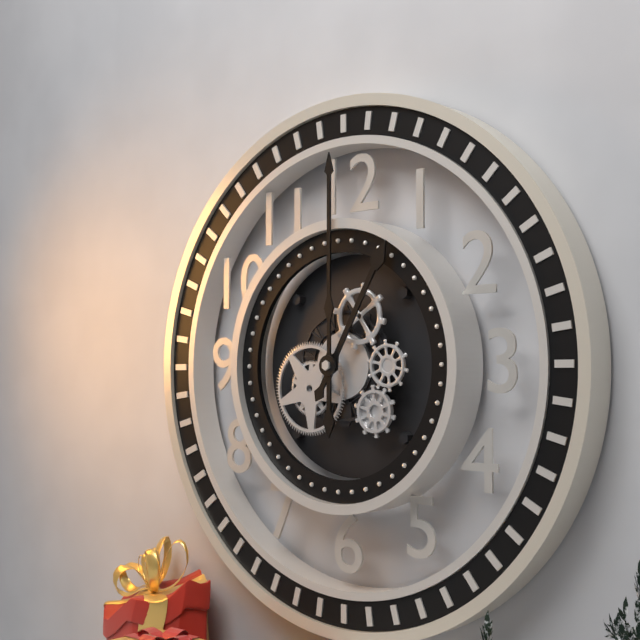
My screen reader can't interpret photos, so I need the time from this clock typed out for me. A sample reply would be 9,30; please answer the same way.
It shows 1,00
